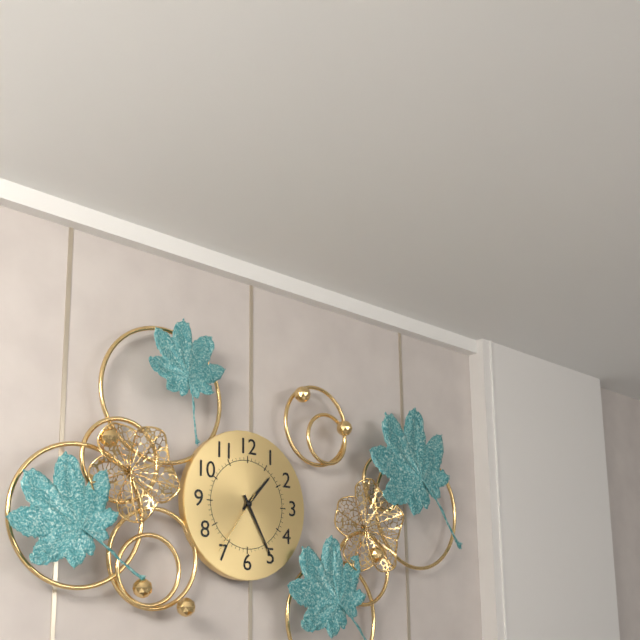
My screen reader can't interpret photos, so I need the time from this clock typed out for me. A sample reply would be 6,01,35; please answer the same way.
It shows 1,25,36
